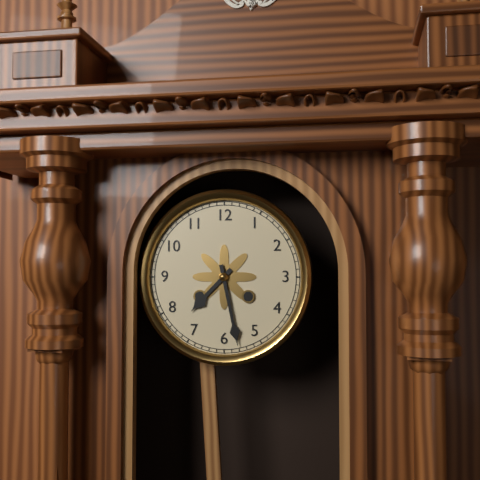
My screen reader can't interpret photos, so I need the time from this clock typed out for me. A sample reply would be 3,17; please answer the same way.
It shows 7,28
